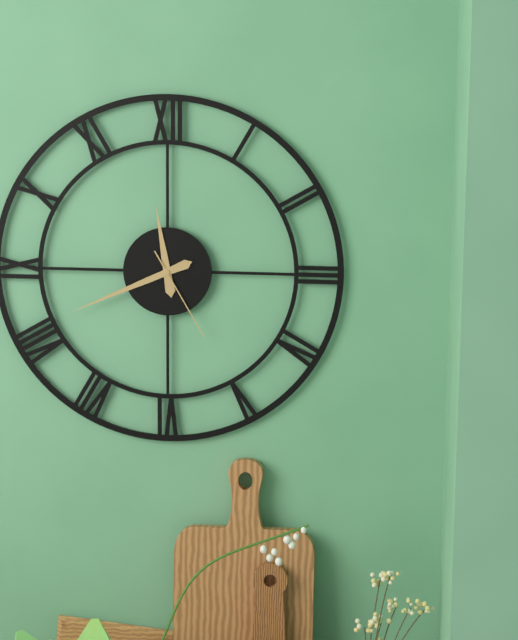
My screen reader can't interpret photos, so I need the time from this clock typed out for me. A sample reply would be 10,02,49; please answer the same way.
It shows 11,41,25
